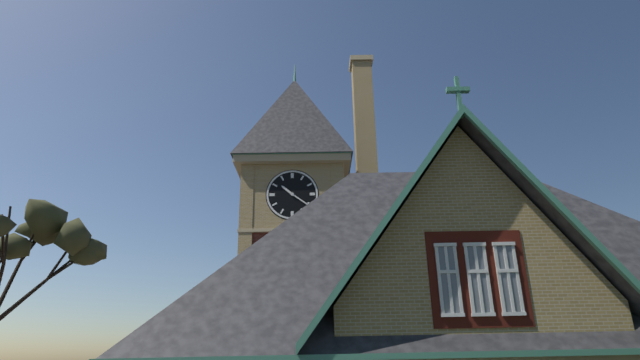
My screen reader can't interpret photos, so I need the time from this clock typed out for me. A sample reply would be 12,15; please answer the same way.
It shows 10,21
